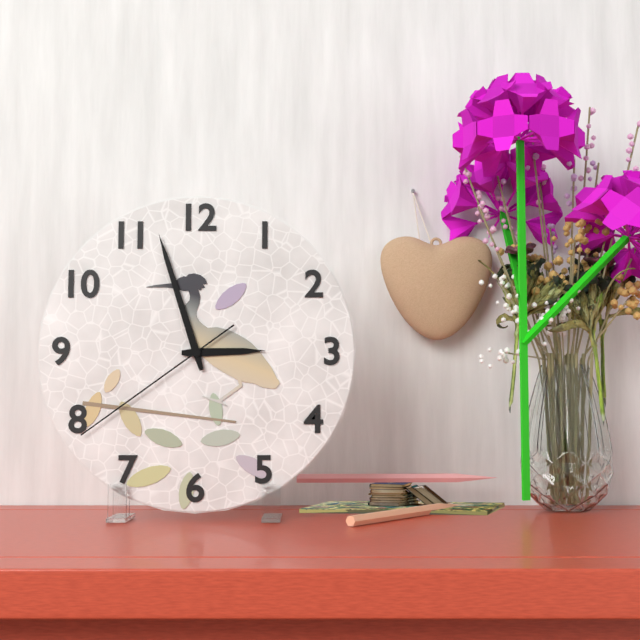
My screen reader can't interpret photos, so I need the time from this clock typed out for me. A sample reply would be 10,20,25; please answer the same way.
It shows 2,57,39
